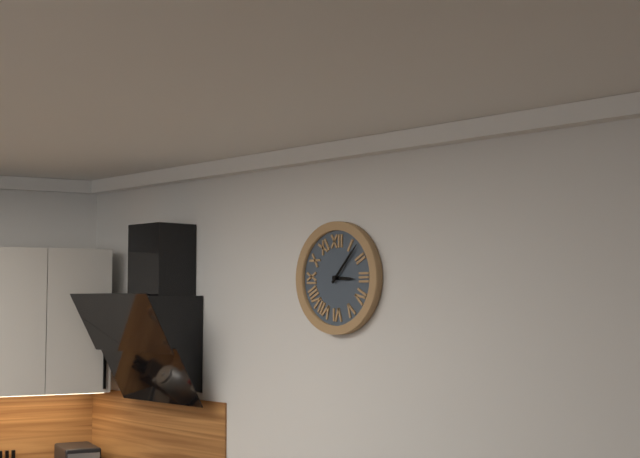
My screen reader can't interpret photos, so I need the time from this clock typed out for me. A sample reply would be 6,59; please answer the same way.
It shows 3,07
